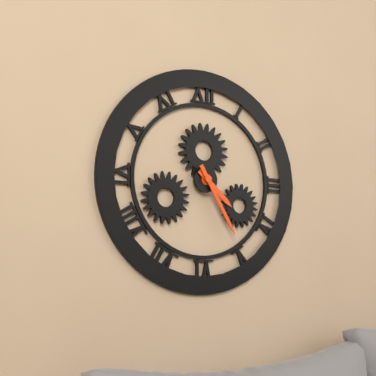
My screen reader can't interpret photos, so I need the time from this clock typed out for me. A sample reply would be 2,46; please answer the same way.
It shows 4,25
